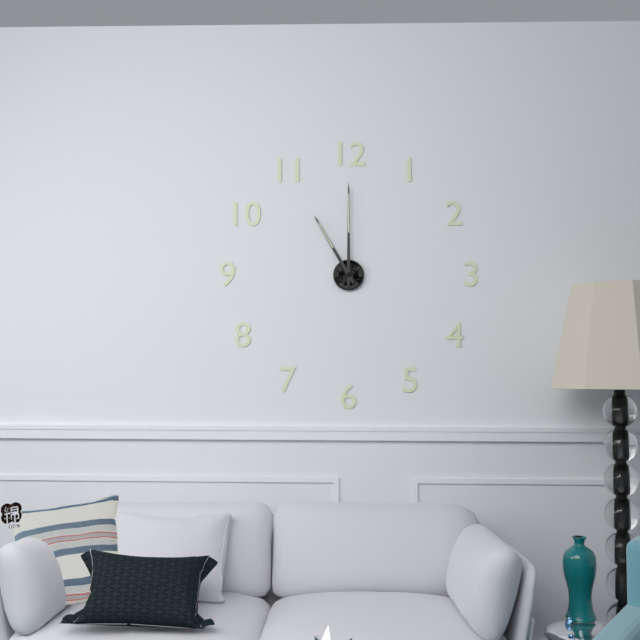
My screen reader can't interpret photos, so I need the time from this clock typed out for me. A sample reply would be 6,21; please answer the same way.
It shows 11,00
